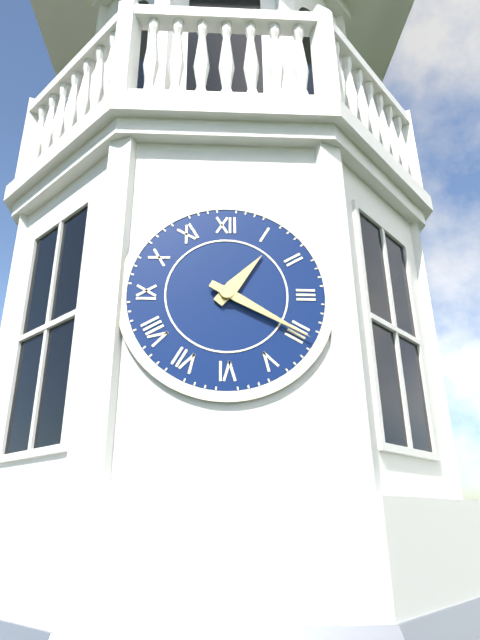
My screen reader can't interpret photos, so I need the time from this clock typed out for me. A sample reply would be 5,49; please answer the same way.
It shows 1,20
